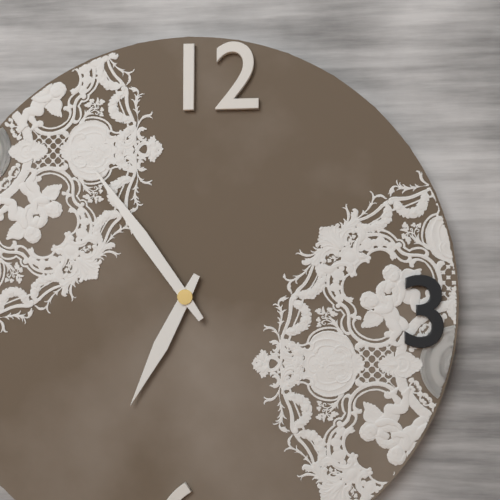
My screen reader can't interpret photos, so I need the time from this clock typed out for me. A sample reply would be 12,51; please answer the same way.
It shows 6,54
